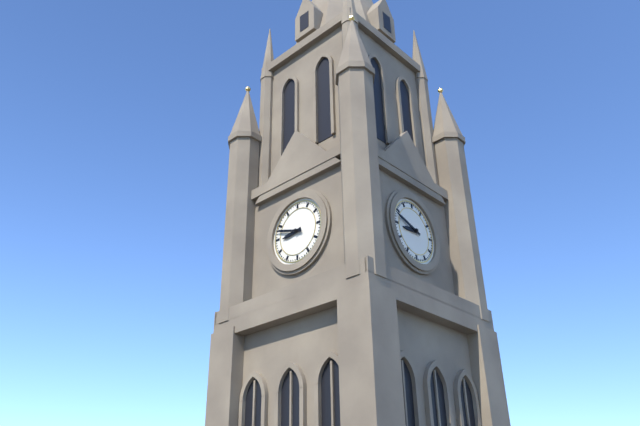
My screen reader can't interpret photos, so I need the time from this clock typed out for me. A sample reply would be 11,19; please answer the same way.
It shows 8,48
